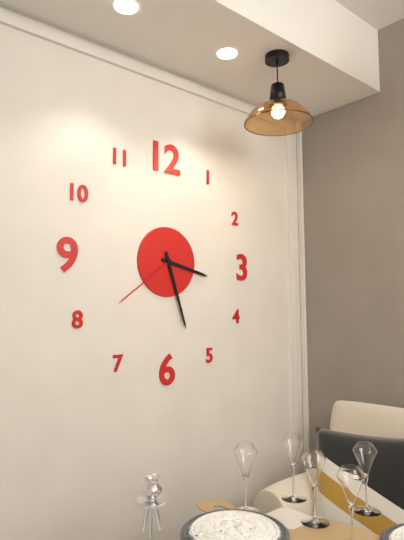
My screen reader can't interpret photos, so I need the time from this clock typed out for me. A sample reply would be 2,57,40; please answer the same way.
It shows 3,27,39
